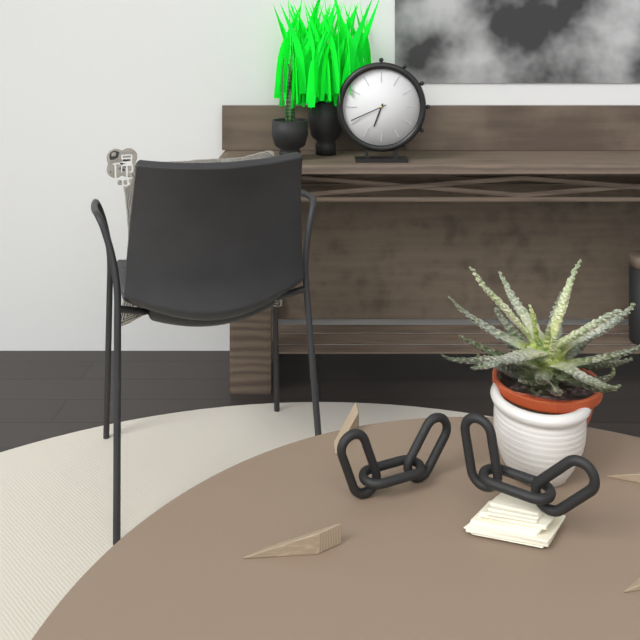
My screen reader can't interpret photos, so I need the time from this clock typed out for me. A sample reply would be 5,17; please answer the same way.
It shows 6,41
